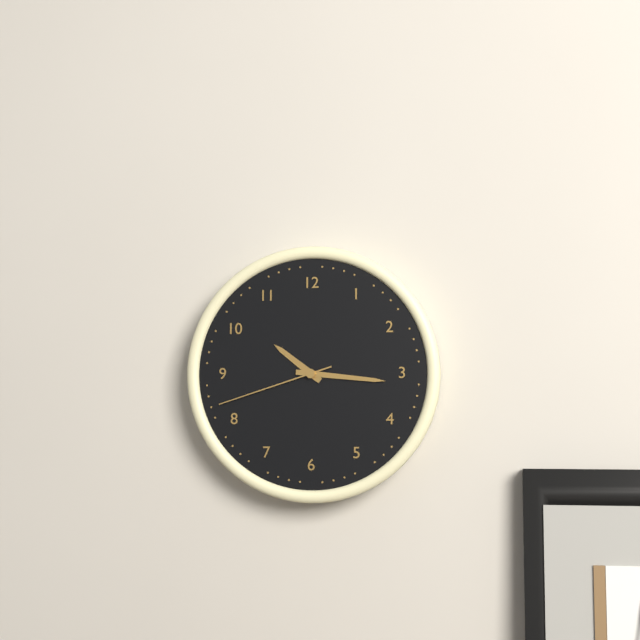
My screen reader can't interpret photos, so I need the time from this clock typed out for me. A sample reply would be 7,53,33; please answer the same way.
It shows 10,16,42
